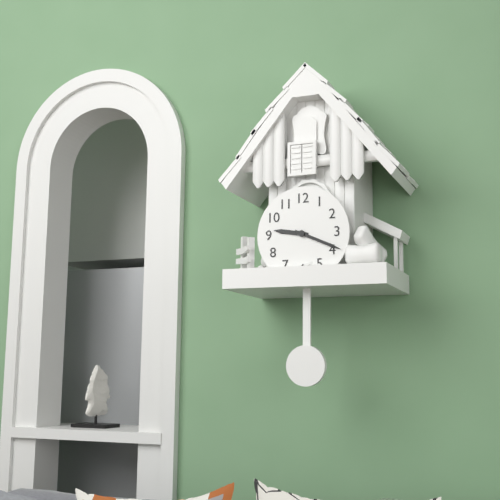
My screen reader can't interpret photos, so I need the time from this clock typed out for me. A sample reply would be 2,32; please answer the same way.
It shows 9,19
